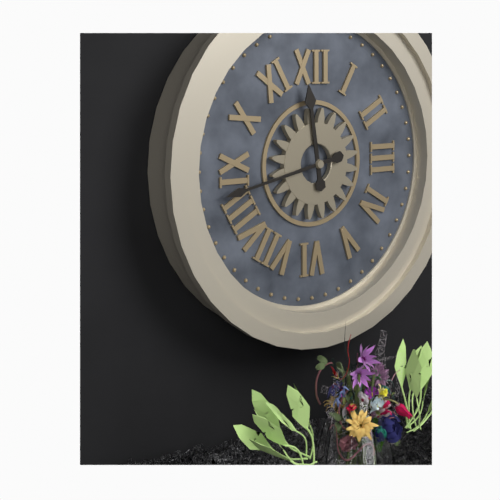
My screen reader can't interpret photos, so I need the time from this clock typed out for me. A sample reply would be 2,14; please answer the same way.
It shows 11,43
